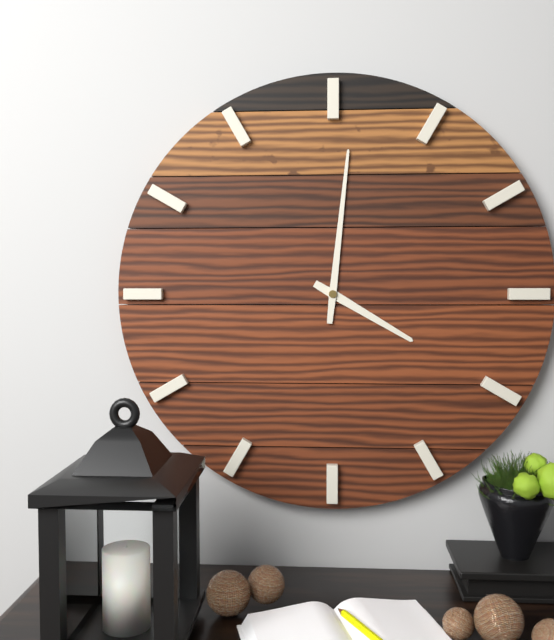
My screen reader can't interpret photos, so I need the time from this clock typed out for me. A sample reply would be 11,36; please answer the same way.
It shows 4,01
